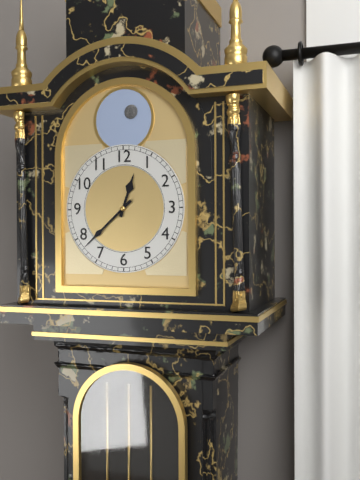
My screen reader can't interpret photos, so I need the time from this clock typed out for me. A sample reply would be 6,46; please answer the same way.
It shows 12,38
